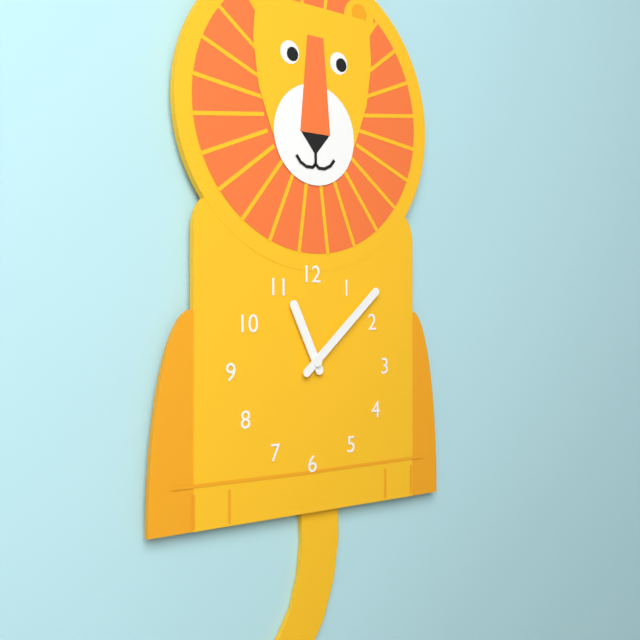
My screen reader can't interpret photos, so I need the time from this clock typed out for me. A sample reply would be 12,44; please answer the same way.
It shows 11,08
